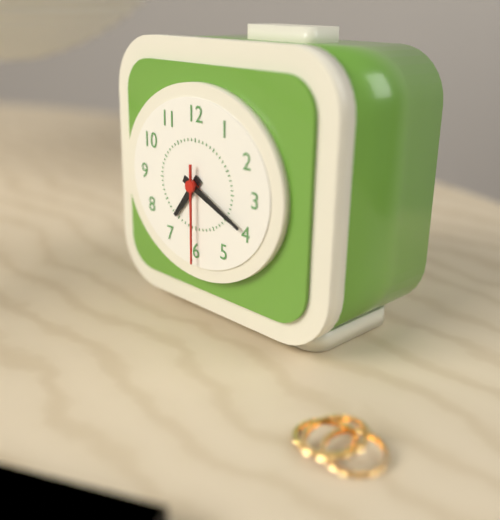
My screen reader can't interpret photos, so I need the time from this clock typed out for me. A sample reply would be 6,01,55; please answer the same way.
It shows 7,19,30
